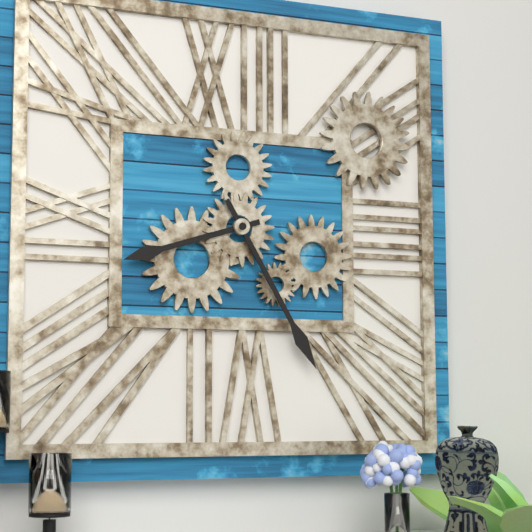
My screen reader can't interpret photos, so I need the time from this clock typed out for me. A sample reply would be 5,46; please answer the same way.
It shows 8,25
